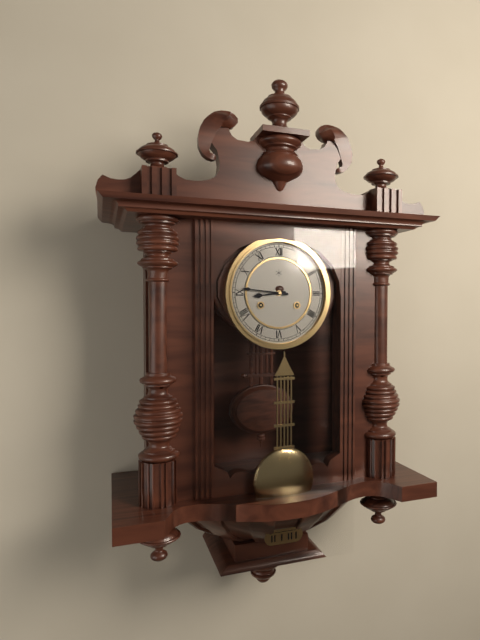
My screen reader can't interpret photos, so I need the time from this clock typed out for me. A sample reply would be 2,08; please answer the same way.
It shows 8,46
